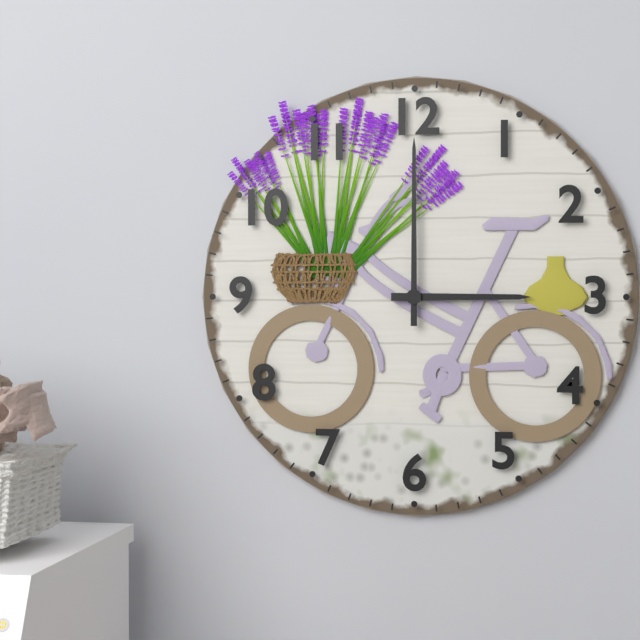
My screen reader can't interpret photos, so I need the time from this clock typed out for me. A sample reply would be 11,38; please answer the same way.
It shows 3,00
